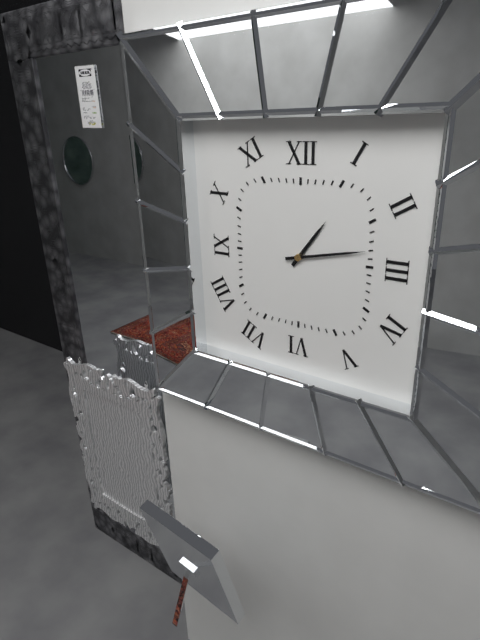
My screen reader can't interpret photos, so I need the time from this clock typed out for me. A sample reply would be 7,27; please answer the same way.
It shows 1,13
